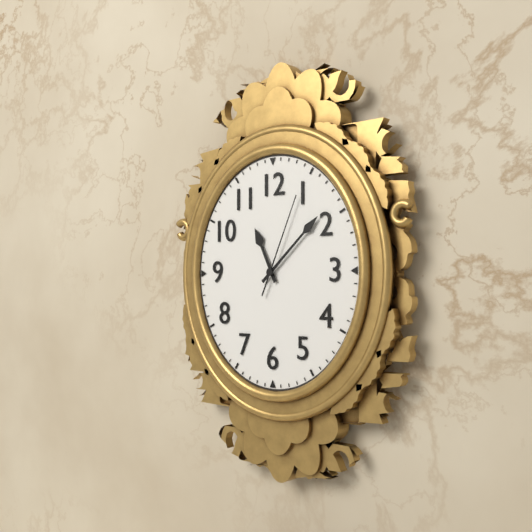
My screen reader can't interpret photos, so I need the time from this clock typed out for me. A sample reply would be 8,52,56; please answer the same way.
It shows 11,08,04
